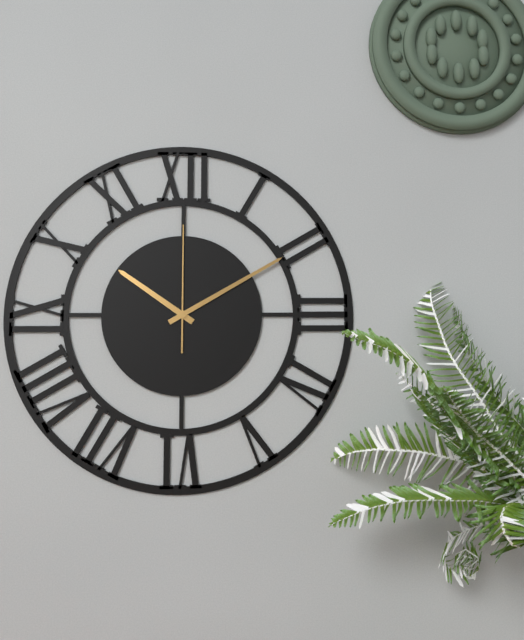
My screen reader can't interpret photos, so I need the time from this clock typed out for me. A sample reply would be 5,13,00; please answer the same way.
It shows 10,10,00
